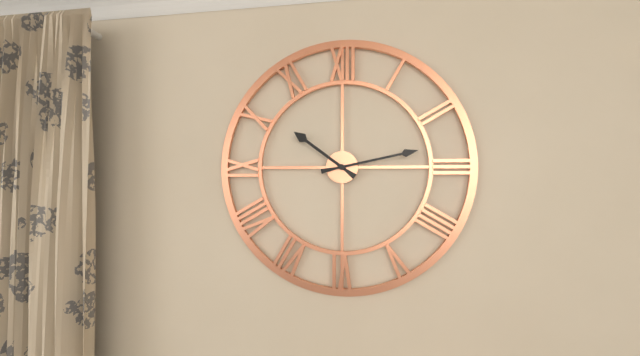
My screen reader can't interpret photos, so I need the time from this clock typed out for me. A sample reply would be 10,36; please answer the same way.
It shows 10,13
